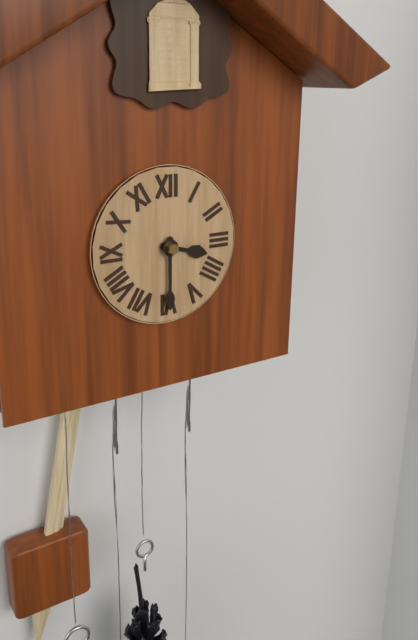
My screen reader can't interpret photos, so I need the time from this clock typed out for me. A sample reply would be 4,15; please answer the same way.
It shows 3,30
